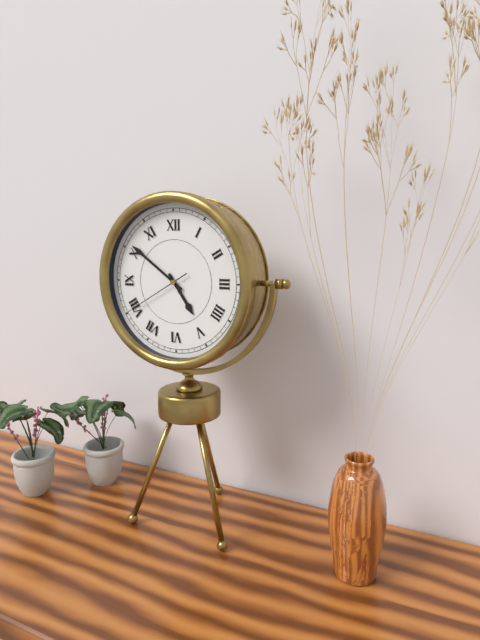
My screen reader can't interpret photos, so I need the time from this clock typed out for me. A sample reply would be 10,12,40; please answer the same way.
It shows 4,51,40
